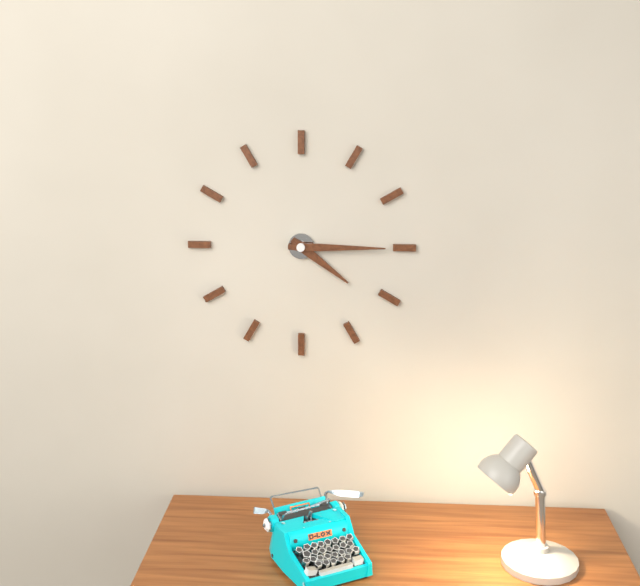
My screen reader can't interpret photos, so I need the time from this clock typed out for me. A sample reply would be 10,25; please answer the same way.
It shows 4,15
